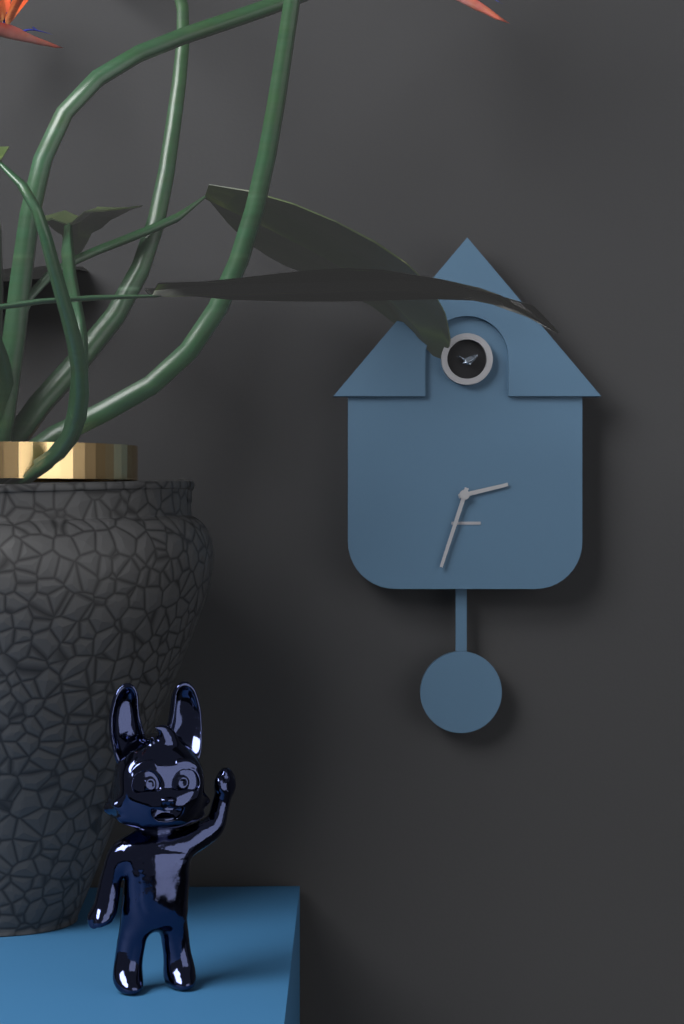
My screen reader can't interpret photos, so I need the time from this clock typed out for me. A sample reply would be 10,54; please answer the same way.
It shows 2,33
